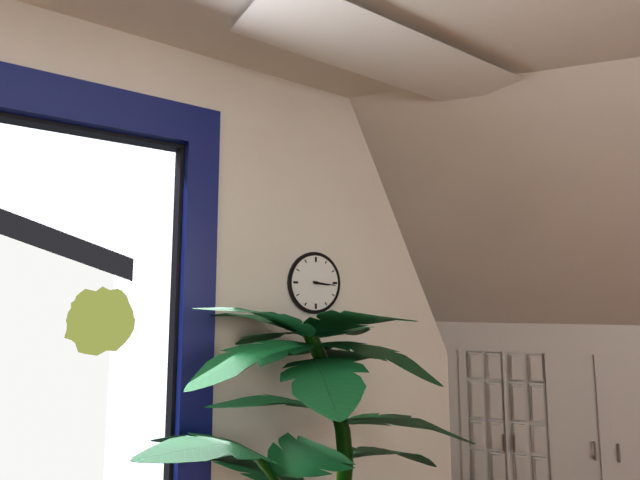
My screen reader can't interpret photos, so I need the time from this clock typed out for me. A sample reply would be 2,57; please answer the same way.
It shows 3,16
